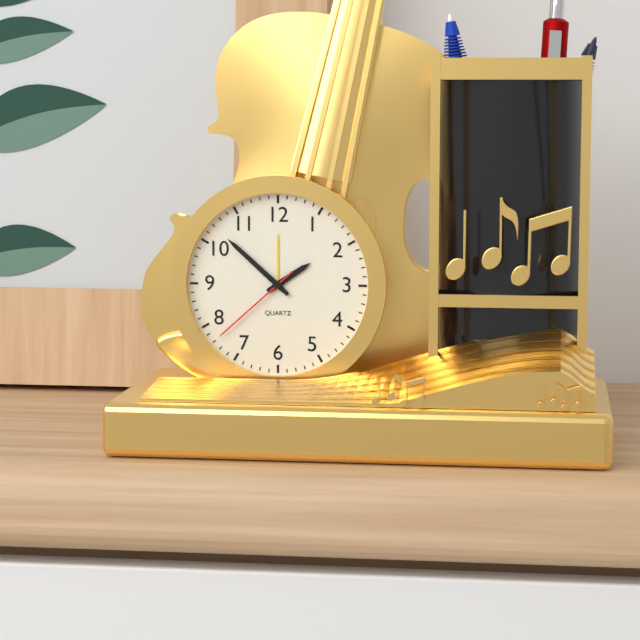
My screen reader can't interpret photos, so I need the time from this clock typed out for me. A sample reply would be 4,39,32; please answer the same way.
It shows 1,52,38
